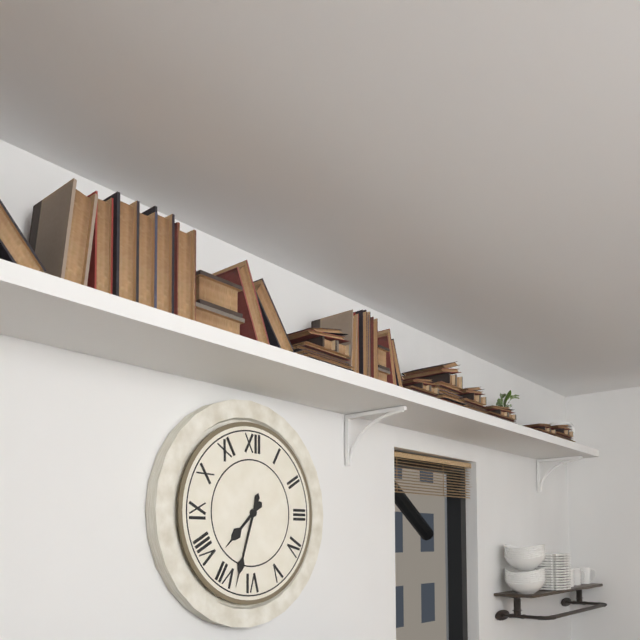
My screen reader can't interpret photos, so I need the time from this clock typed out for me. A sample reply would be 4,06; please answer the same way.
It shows 7,33
